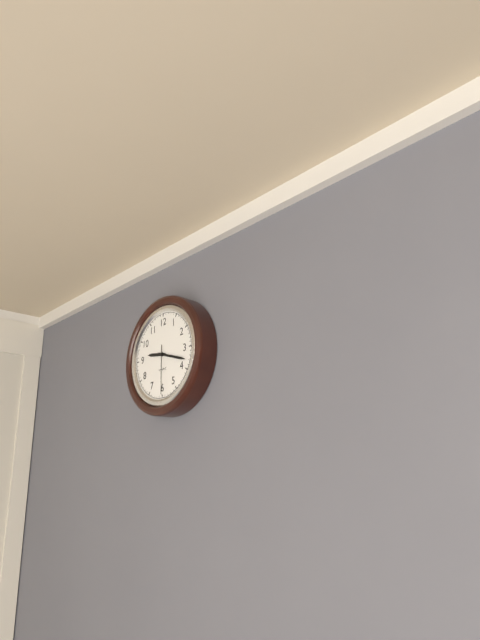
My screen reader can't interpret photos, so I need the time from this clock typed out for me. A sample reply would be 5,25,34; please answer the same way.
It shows 9,18,30
